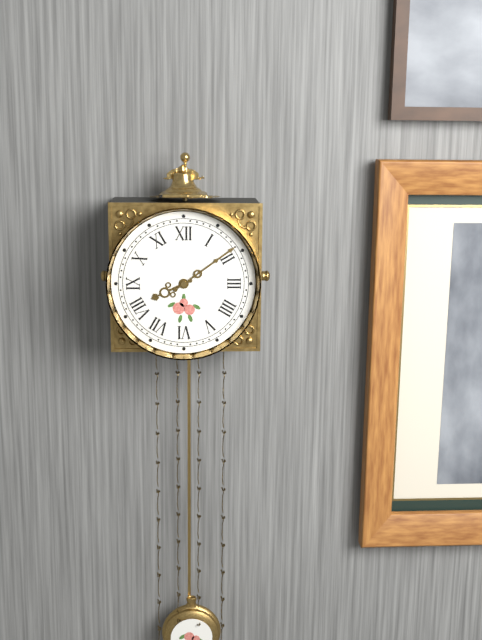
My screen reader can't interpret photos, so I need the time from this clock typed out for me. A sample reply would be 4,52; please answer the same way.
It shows 8,09
